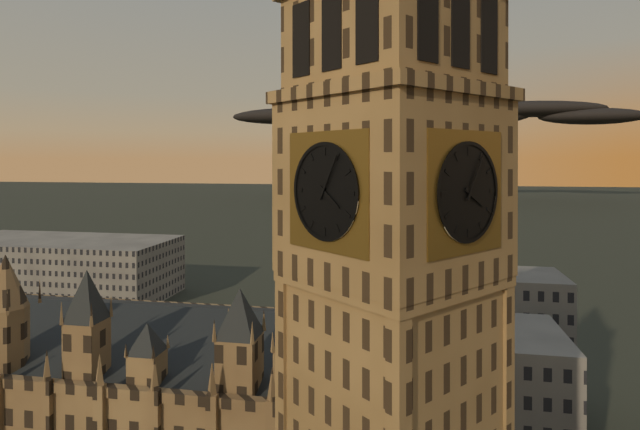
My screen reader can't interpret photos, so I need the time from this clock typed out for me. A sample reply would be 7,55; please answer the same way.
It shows 4,05
